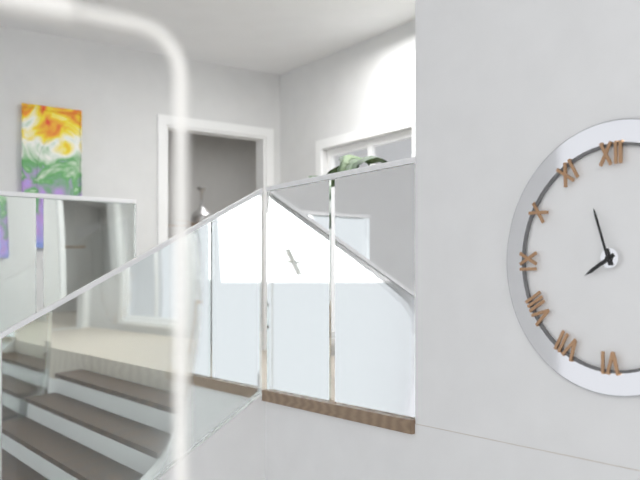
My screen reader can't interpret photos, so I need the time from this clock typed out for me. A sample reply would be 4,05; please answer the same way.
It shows 7,57
